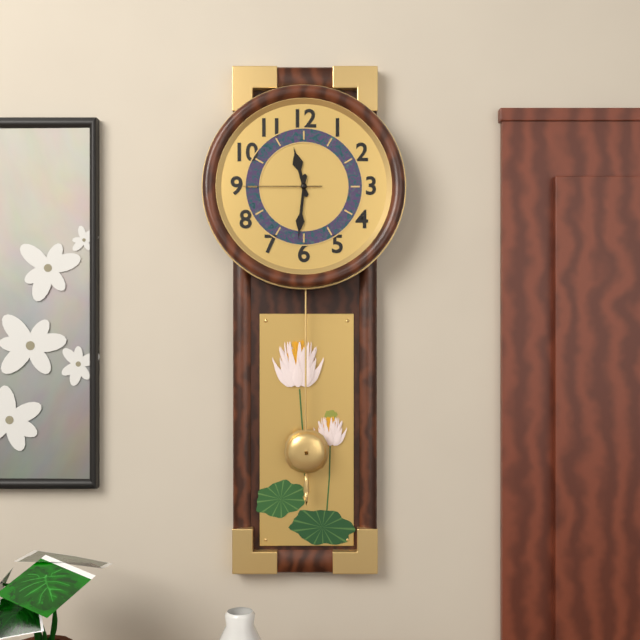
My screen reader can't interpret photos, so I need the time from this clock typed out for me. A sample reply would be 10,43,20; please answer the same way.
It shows 11,31,45
